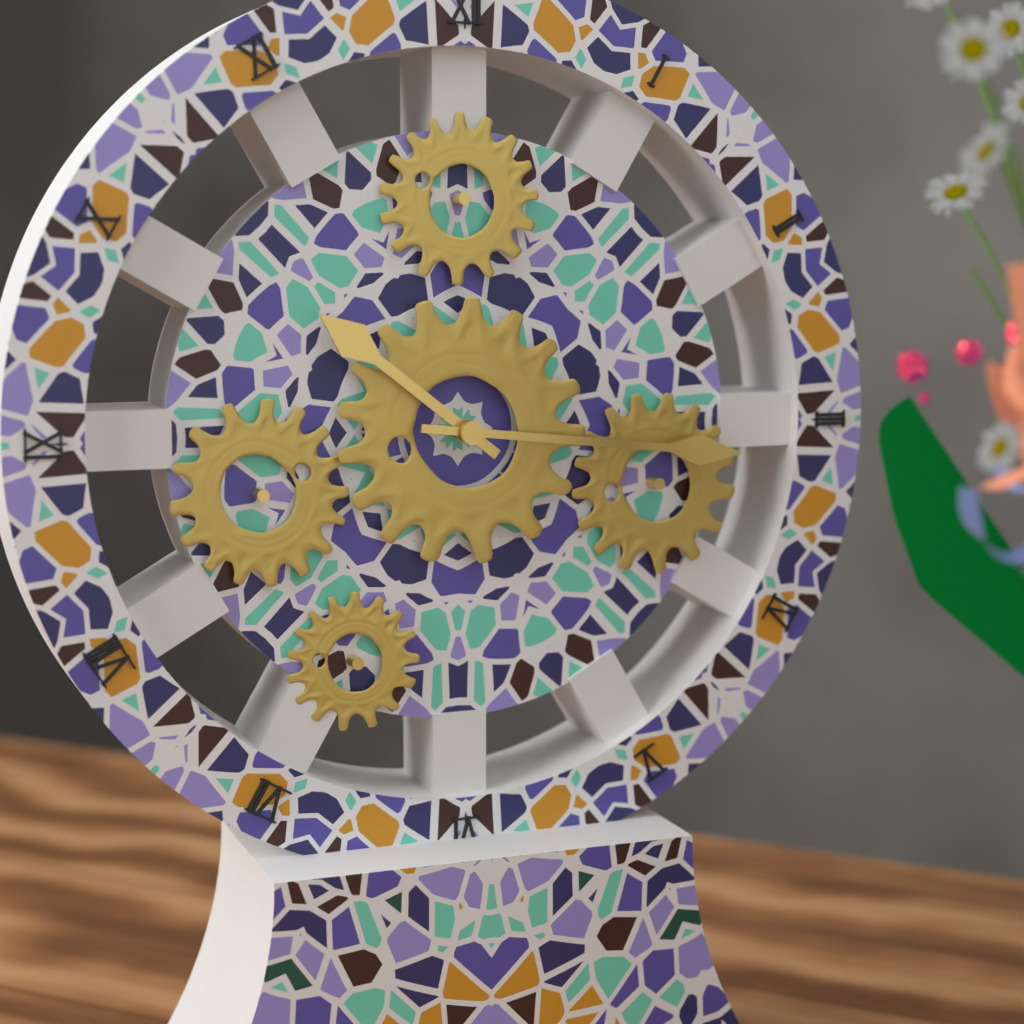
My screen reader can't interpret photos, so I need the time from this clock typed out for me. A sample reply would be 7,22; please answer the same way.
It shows 10,16
